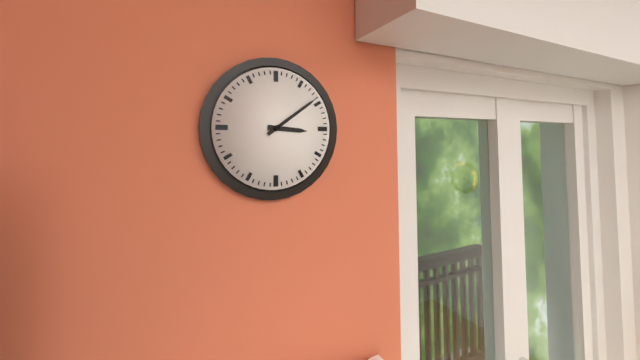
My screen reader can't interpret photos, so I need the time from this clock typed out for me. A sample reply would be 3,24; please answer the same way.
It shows 3,09
